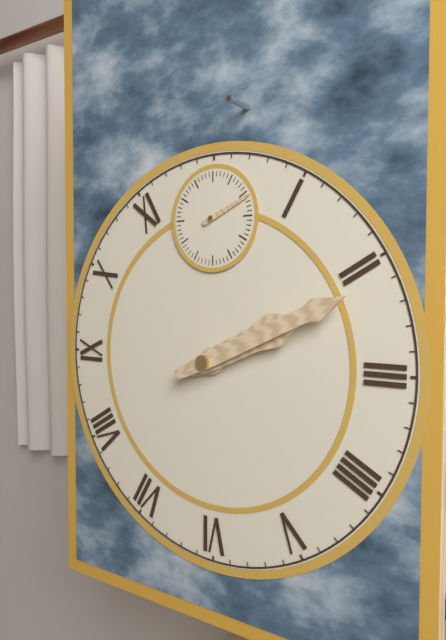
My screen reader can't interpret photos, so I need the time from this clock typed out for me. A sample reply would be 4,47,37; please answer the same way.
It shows 2,11,11
